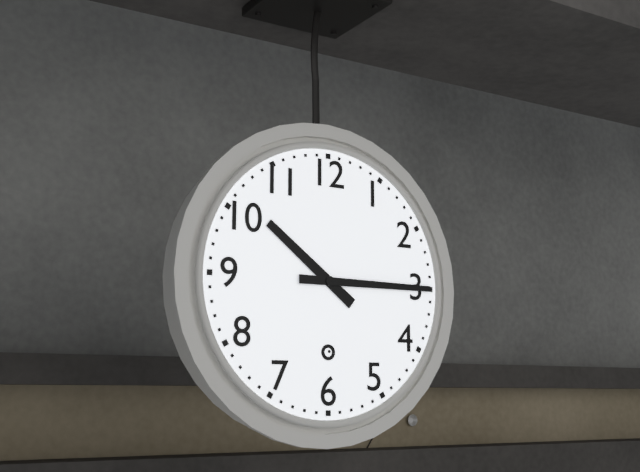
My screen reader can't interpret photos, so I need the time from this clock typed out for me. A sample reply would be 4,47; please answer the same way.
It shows 10,15
